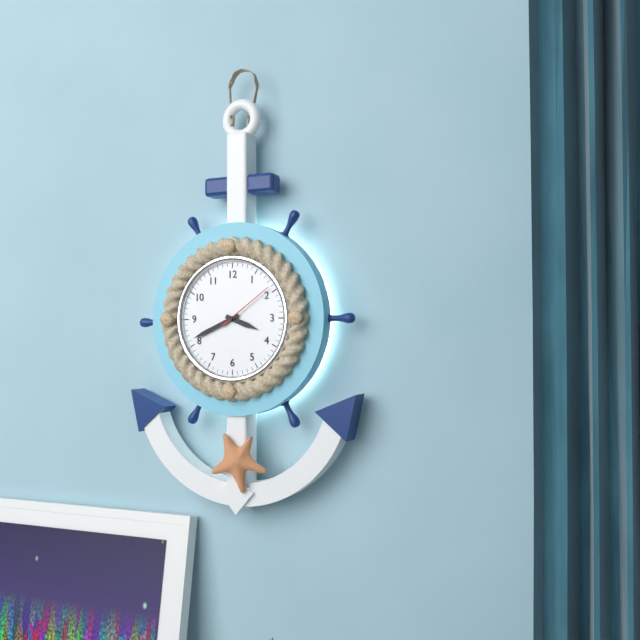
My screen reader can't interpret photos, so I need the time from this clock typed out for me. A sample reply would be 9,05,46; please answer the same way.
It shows 3,41,09
